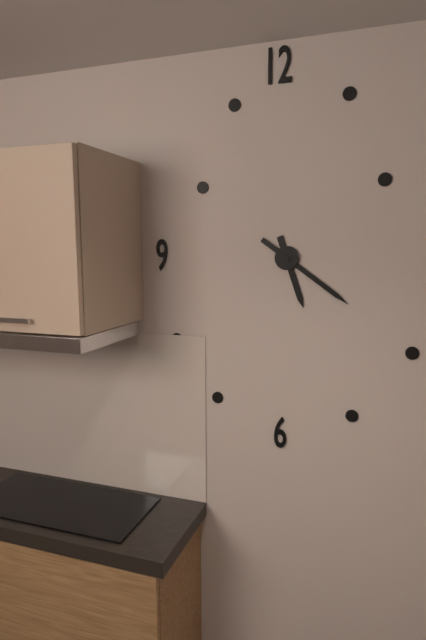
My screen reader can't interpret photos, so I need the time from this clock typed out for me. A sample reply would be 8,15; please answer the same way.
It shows 5,21
